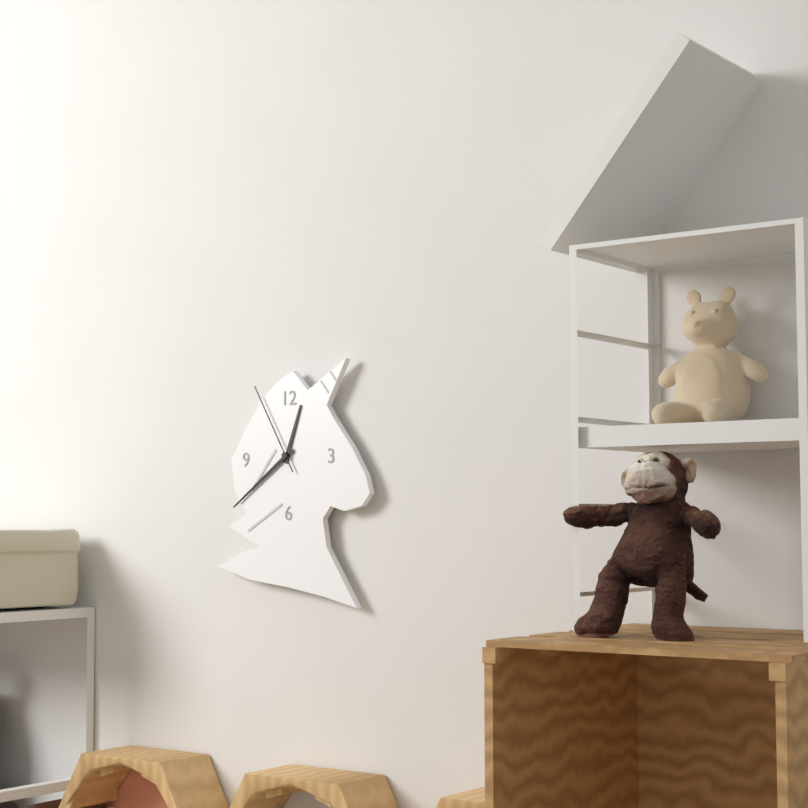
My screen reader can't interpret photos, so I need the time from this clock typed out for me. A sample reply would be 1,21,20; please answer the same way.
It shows 12,39,55
